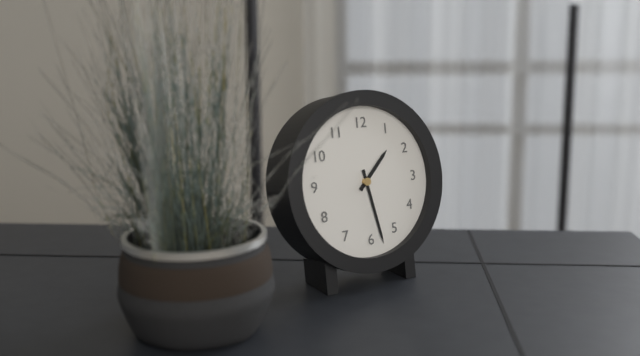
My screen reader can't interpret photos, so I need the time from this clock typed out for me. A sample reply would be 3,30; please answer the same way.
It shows 1,28
